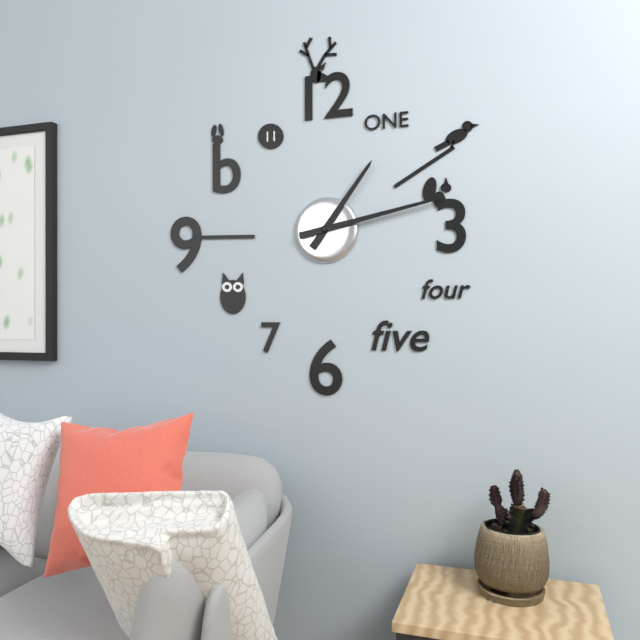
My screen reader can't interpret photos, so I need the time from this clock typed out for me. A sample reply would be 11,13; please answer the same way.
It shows 1,13
